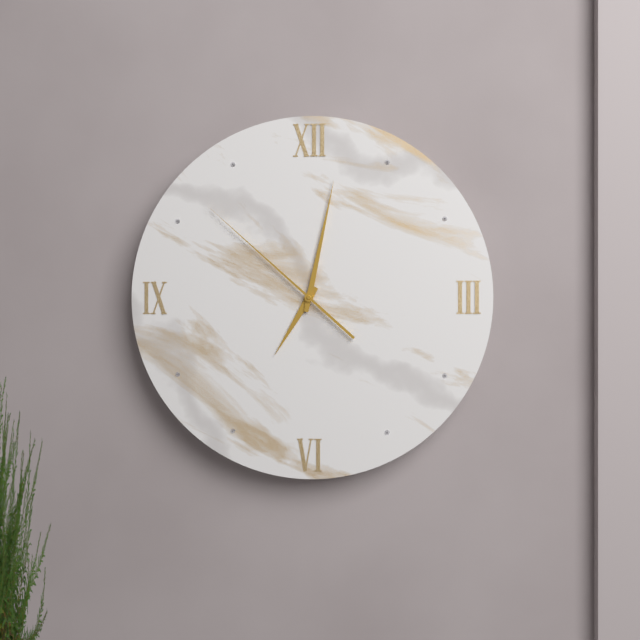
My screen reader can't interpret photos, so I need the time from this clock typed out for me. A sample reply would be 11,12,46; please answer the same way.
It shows 7,02,52
